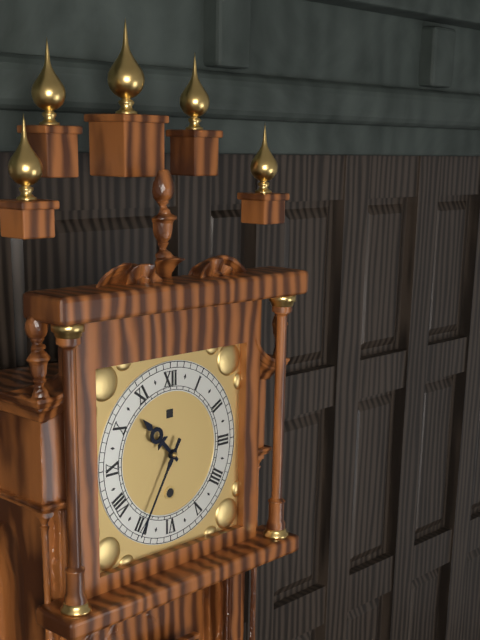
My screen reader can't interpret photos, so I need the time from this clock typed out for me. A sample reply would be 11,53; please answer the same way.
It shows 10,35
